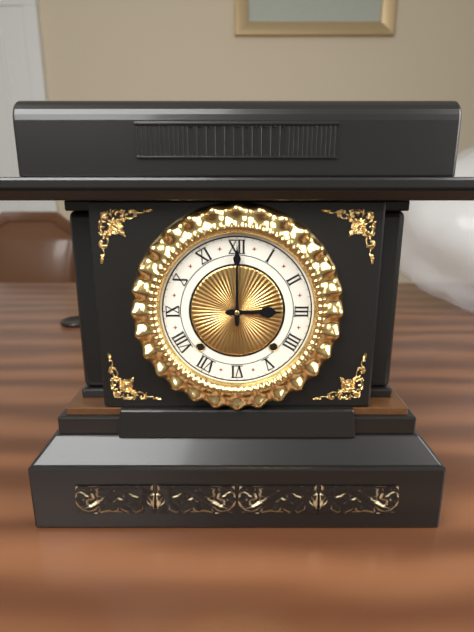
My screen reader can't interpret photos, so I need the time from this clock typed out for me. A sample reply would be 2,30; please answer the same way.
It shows 3,00
